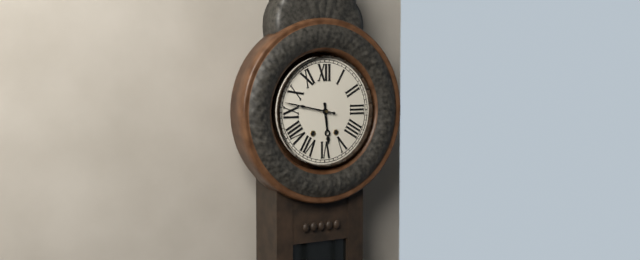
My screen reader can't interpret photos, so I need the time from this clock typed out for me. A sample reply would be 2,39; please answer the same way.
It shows 5,47
